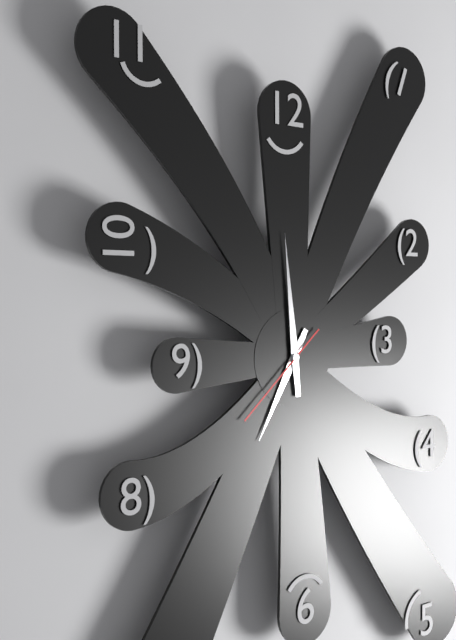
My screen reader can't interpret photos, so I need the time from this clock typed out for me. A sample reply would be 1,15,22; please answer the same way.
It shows 6,59,38
